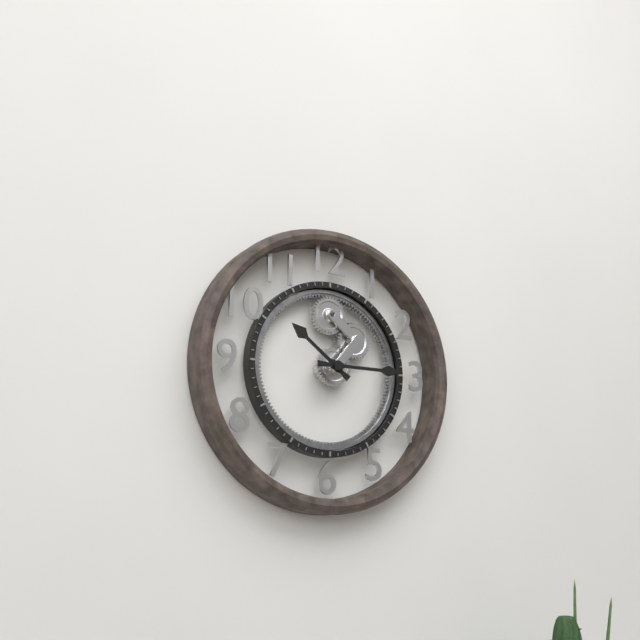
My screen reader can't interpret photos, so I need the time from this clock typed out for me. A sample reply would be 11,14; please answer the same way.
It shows 10,15
